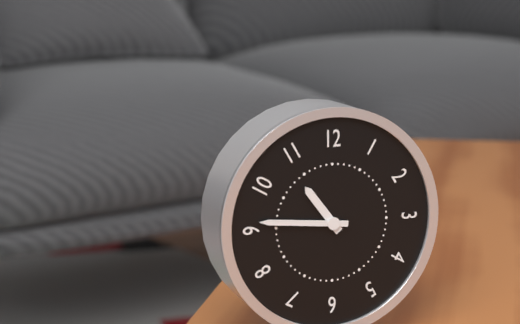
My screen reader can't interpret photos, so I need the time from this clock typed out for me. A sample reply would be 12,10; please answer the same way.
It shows 10,46
